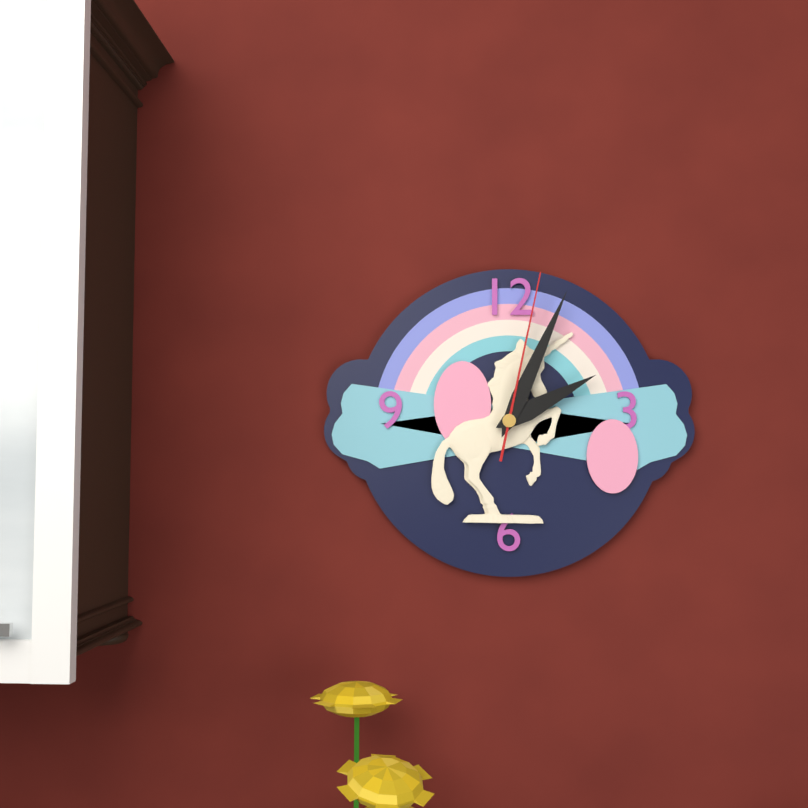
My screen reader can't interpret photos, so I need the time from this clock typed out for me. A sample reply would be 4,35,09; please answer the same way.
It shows 2,04,02
